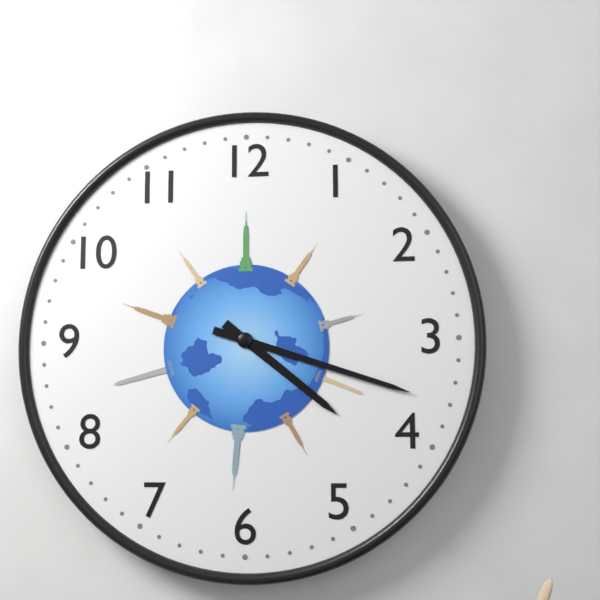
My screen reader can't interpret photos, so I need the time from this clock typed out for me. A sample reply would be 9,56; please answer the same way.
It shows 4,18
